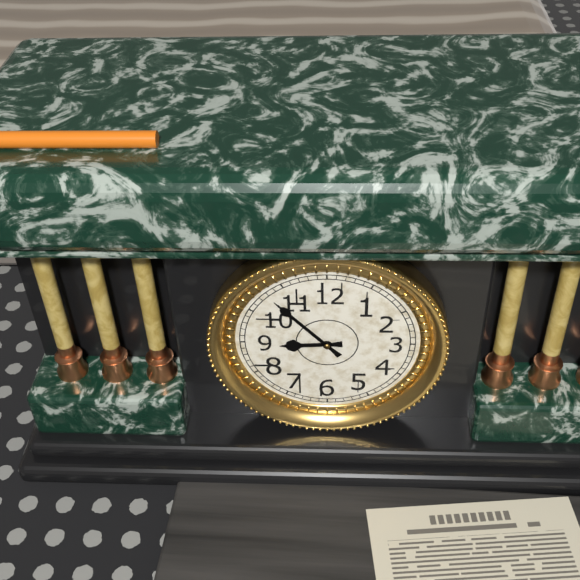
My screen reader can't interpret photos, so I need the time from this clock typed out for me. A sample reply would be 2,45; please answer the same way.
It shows 8,53
